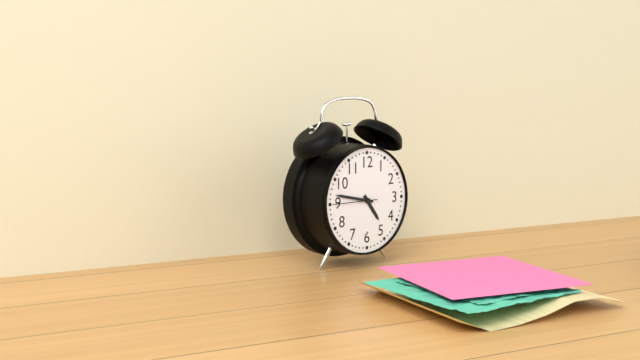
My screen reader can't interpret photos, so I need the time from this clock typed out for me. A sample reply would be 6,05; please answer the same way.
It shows 4,47
